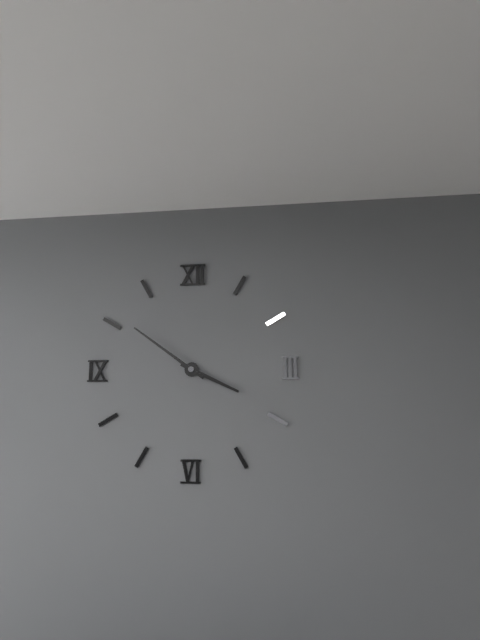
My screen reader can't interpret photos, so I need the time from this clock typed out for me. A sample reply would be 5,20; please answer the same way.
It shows 3,51
